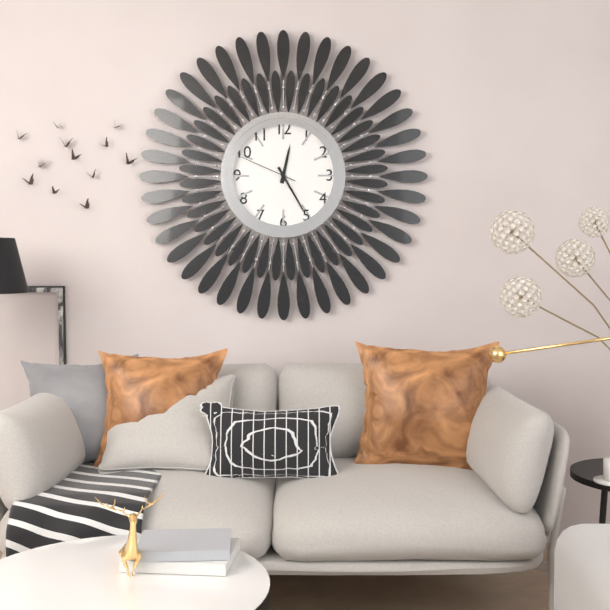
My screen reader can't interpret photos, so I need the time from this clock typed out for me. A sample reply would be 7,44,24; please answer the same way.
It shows 12,25,49
